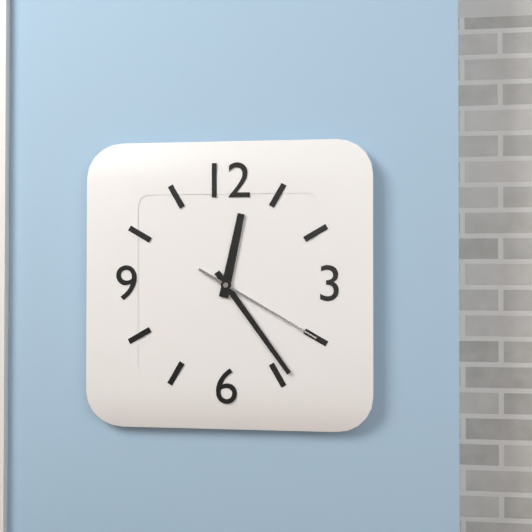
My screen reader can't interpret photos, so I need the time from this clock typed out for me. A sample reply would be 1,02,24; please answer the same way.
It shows 12,24,20
